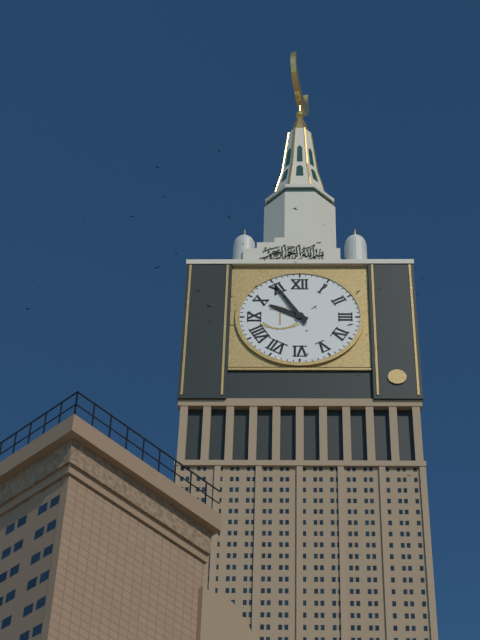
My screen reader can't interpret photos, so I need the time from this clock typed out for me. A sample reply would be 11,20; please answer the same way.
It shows 9,55
